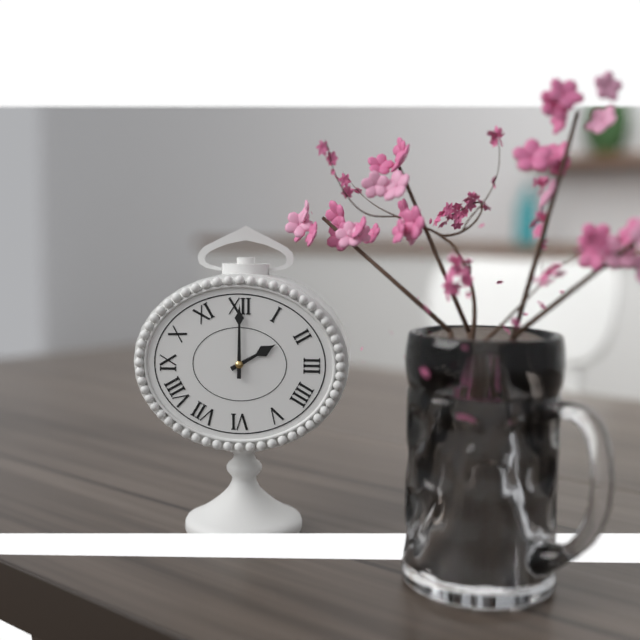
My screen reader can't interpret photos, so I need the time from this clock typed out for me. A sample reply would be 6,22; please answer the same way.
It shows 2,00
